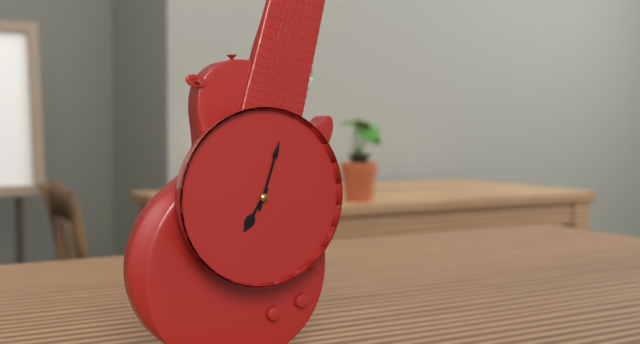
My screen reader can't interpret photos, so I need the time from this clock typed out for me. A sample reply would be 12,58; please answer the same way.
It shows 7,03
